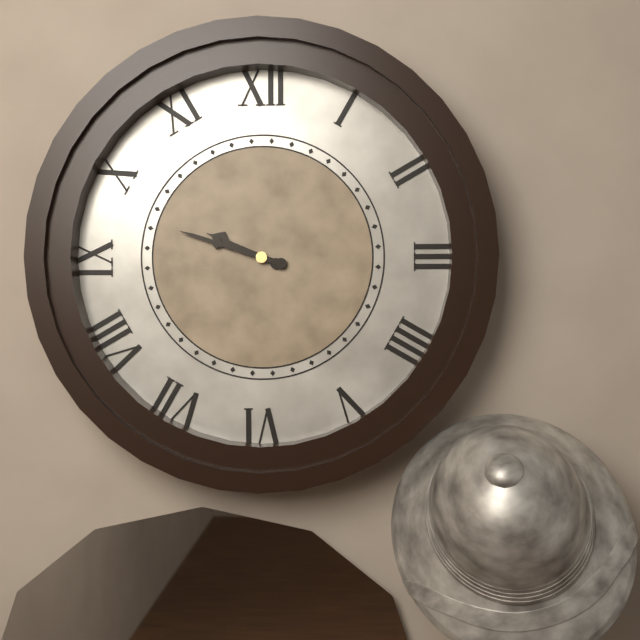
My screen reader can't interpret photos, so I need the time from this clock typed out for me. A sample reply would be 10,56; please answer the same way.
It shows 9,48
